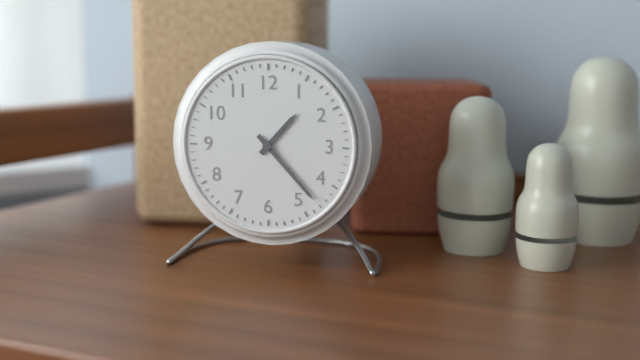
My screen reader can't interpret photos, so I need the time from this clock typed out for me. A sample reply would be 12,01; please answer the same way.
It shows 1,23
